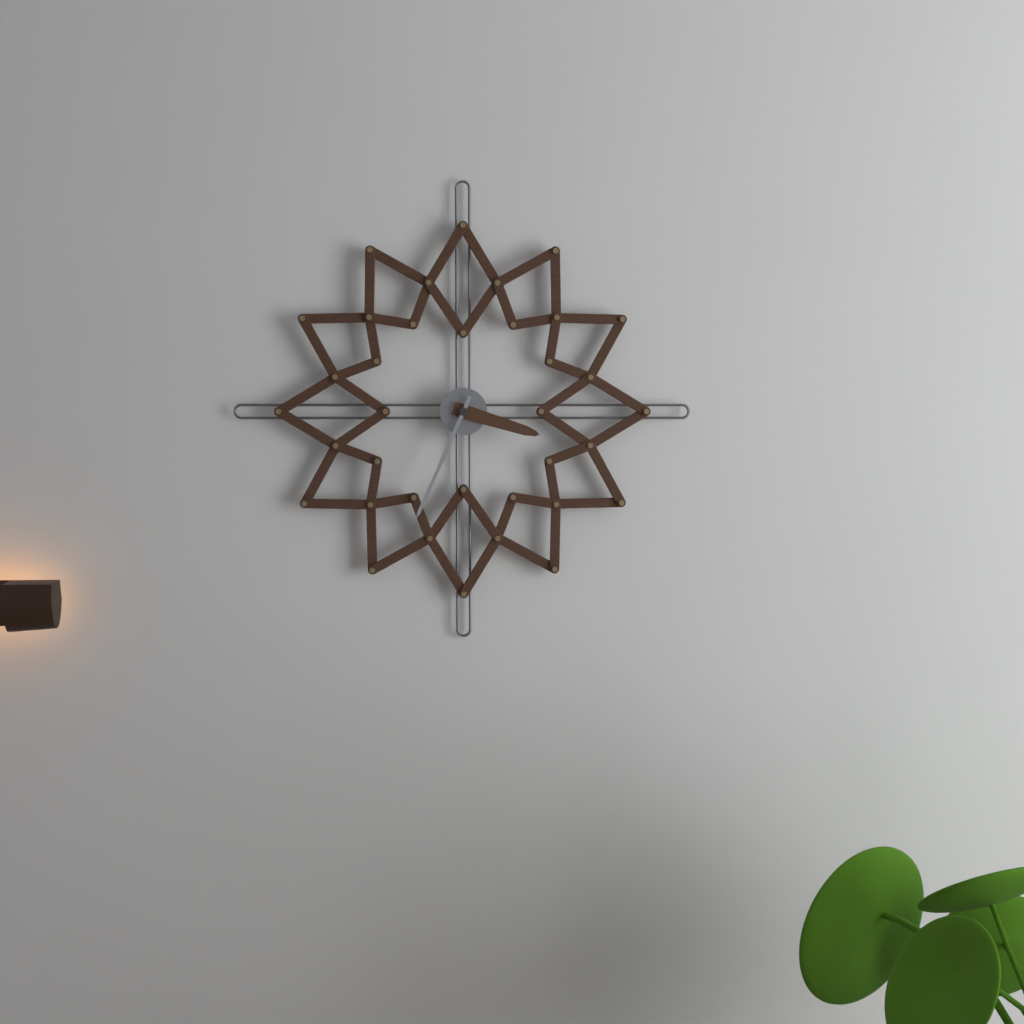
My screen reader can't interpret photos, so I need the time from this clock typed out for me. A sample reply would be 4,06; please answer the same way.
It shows 3,34
